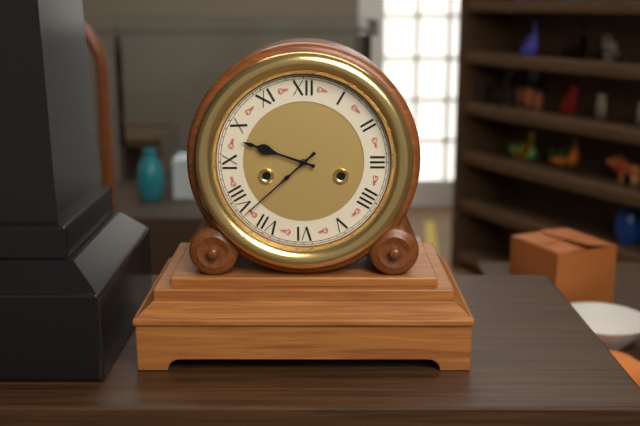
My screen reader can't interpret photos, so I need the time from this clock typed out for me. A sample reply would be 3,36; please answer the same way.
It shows 9,38
